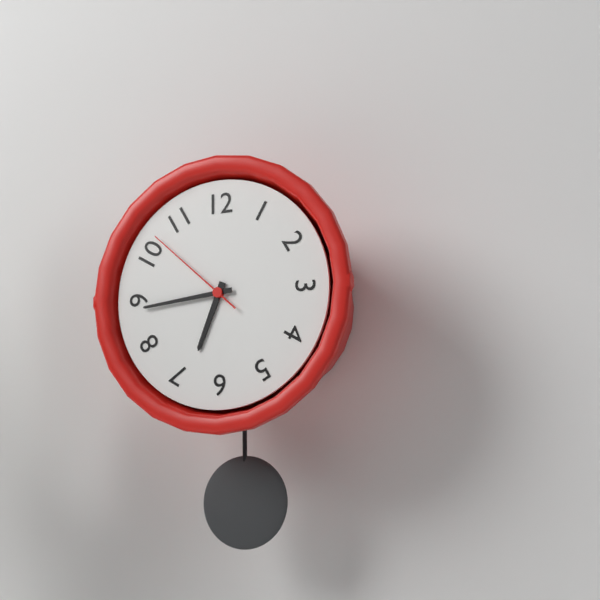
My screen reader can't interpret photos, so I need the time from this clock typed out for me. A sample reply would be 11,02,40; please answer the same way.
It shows 6,44,52
